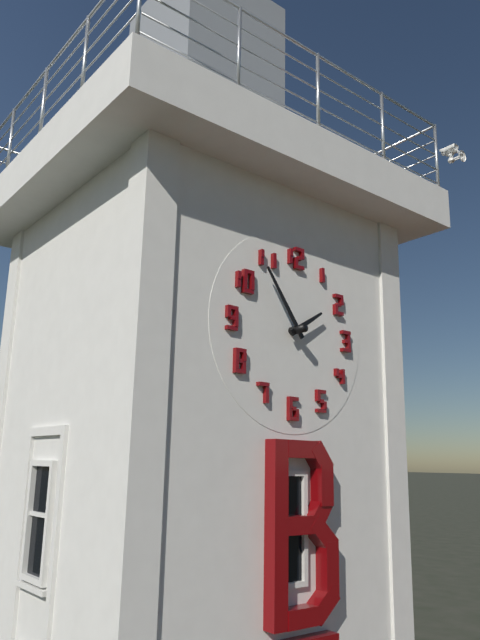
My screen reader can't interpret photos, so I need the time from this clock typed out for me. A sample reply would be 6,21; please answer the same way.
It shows 1,54
